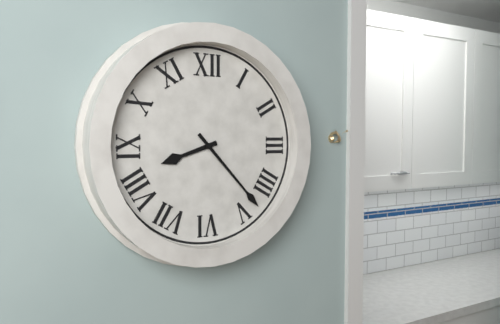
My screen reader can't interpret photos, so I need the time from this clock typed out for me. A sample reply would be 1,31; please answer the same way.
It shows 8,23
